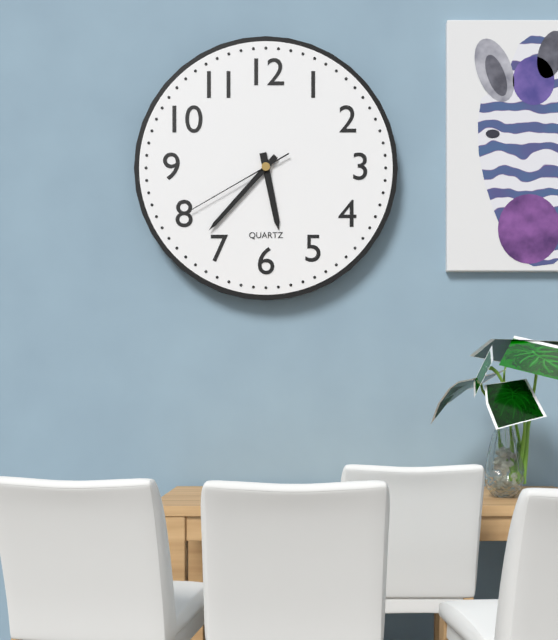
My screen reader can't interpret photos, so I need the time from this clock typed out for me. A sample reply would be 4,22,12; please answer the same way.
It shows 5,37,40
